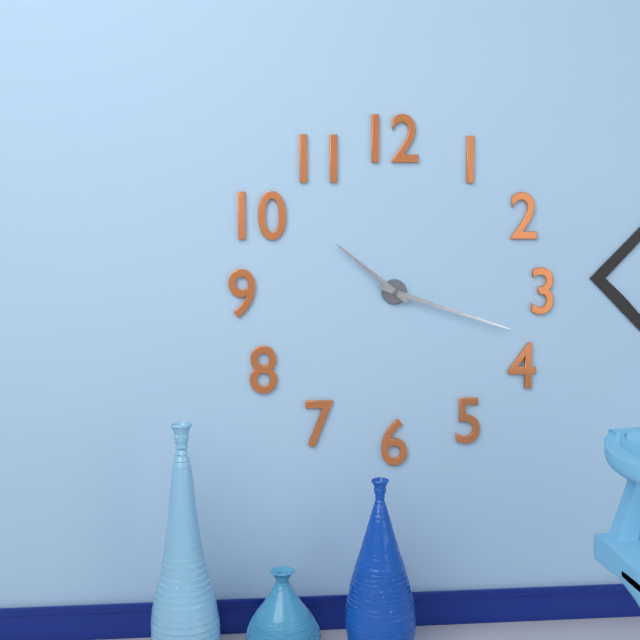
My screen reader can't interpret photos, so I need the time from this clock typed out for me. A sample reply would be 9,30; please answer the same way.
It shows 10,18
